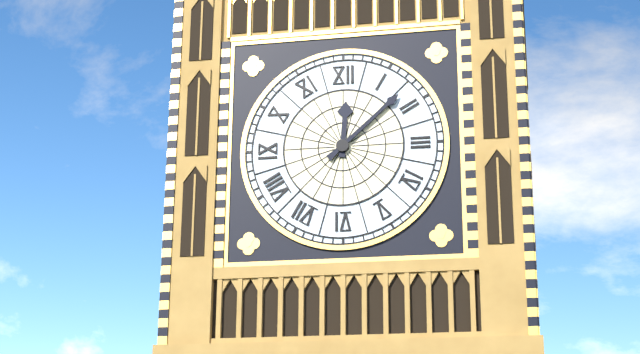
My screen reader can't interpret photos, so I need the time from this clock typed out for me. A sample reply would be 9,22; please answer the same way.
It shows 12,08
